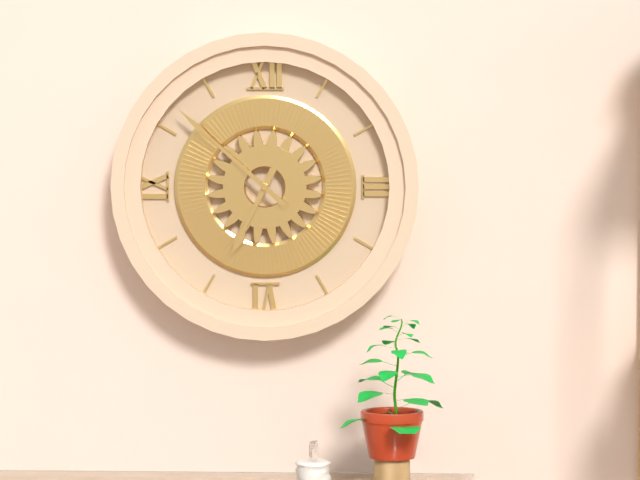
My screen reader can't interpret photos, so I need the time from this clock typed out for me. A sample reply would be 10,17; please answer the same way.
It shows 6,52
